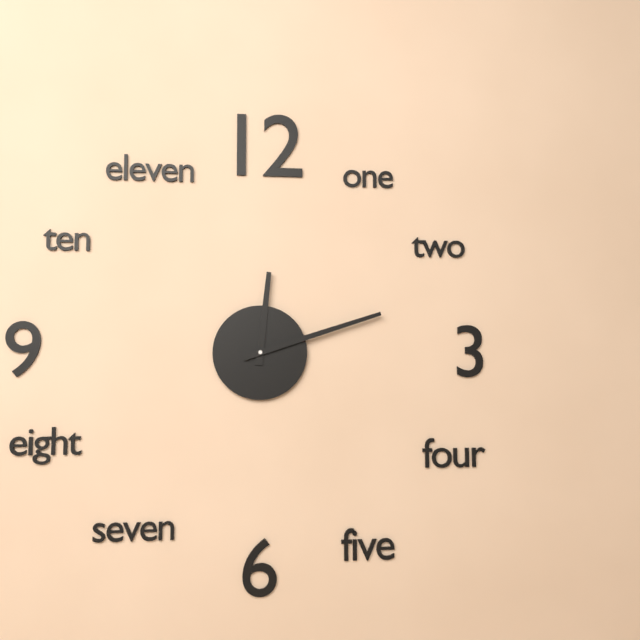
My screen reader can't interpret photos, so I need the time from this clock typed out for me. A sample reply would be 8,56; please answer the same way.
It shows 12,12
